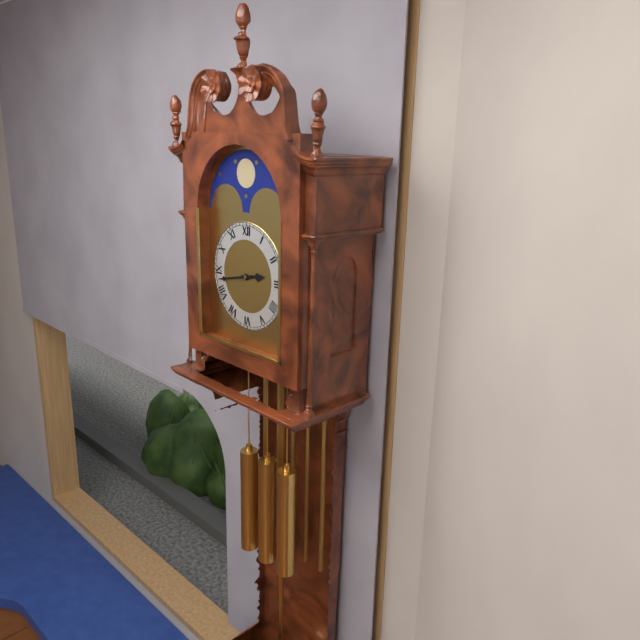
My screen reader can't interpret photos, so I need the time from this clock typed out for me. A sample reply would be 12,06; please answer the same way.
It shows 2,43
